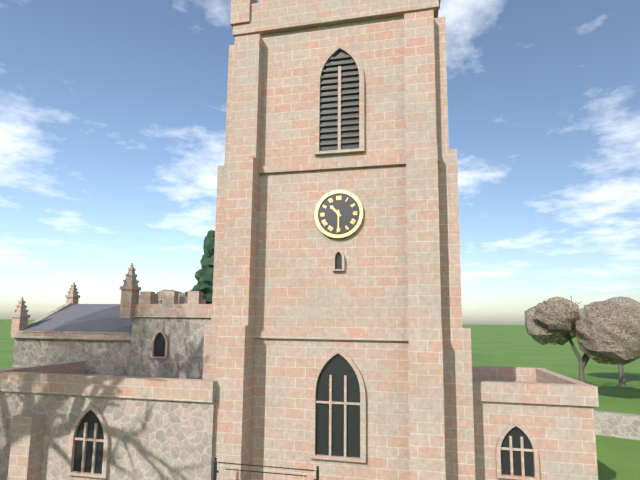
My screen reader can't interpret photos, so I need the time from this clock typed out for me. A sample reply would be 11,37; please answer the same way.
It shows 10,30
